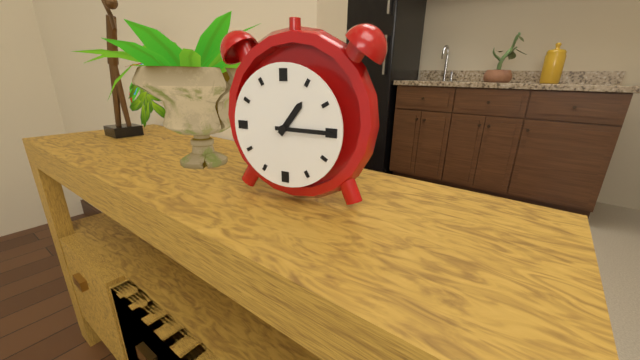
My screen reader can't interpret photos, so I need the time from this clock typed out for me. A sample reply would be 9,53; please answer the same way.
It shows 1,15
